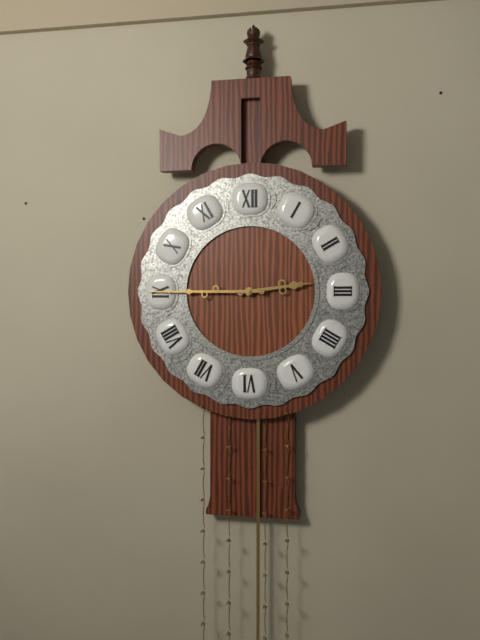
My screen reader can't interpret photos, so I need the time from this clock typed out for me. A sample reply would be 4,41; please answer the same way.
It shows 2,45
